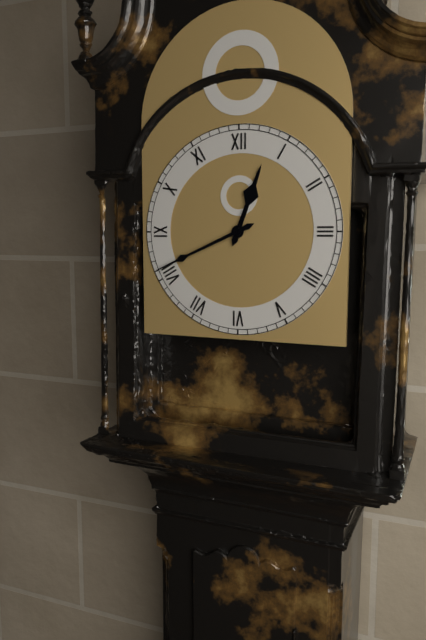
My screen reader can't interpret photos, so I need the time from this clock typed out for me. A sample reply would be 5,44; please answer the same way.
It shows 12,41
